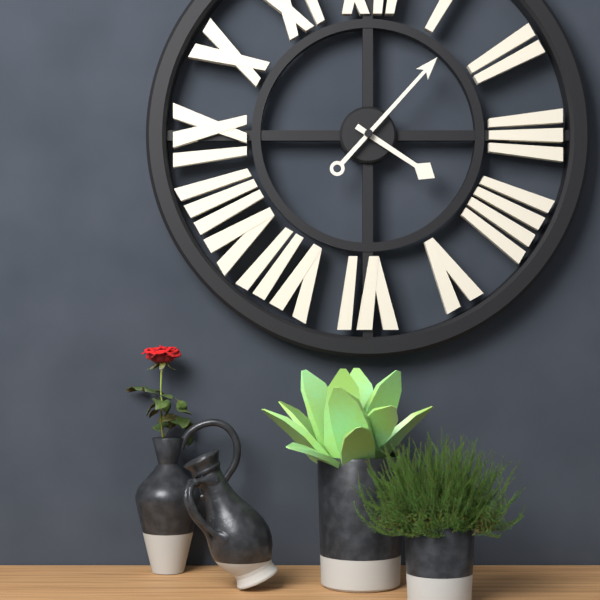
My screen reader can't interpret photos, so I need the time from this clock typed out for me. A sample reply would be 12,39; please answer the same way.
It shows 4,07
